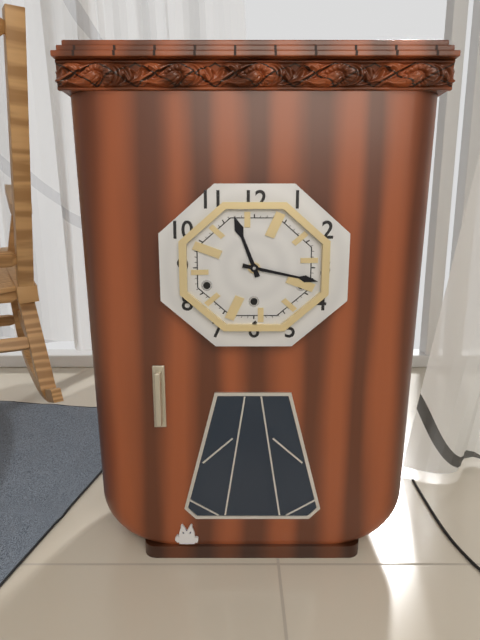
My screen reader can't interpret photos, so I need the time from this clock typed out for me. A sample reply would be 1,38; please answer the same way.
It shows 11,17
